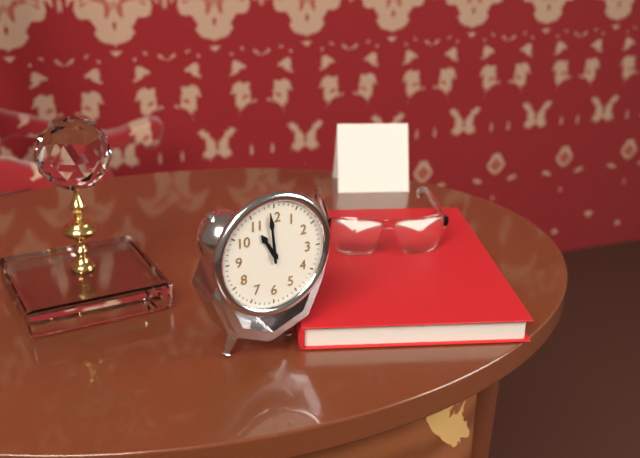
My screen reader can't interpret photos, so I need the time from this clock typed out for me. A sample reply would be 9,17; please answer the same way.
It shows 10,59
